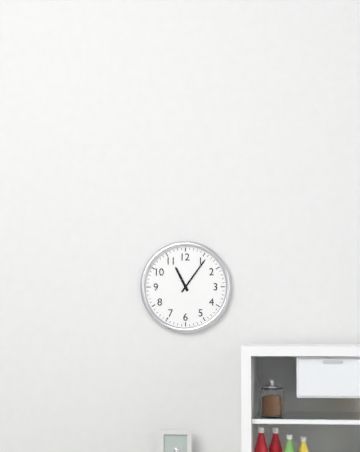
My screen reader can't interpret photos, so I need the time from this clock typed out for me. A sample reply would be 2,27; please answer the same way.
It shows 11,06
